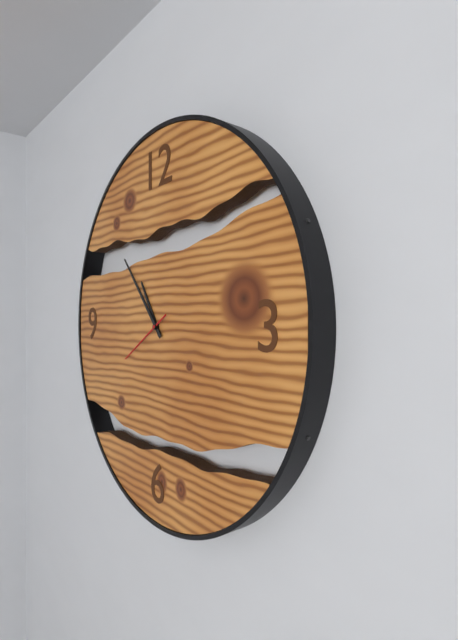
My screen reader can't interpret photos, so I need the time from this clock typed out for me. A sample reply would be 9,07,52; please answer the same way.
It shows 10,53,40
